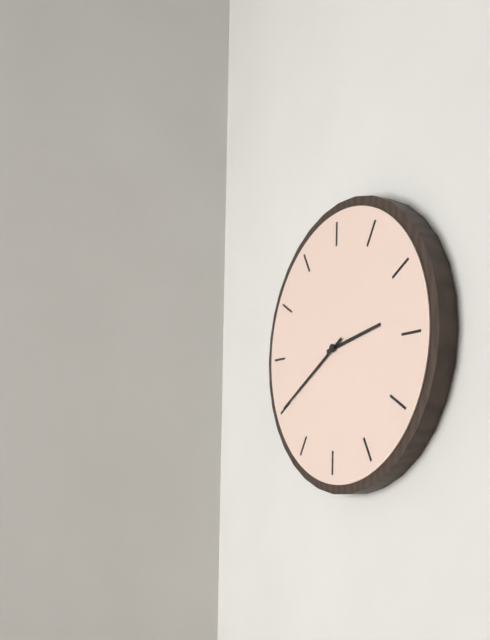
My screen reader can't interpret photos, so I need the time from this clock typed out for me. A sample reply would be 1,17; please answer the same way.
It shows 2,40
